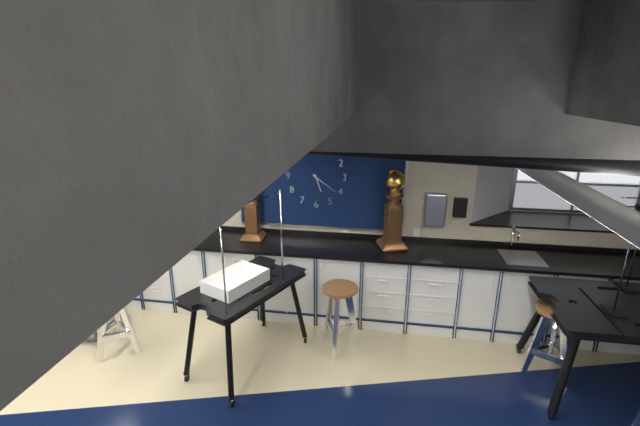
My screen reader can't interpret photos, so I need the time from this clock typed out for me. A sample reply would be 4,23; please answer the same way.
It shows 5,21
